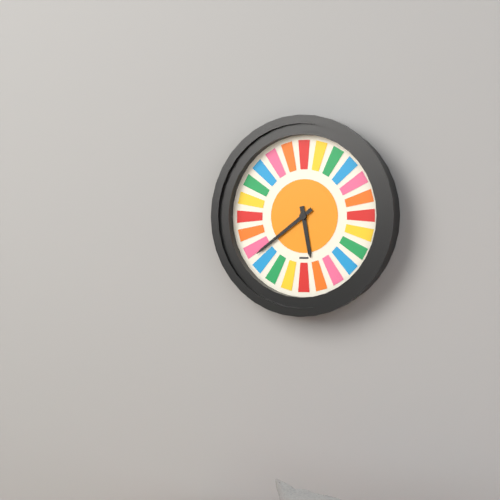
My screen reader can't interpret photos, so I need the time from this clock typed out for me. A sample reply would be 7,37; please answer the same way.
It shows 5,39
